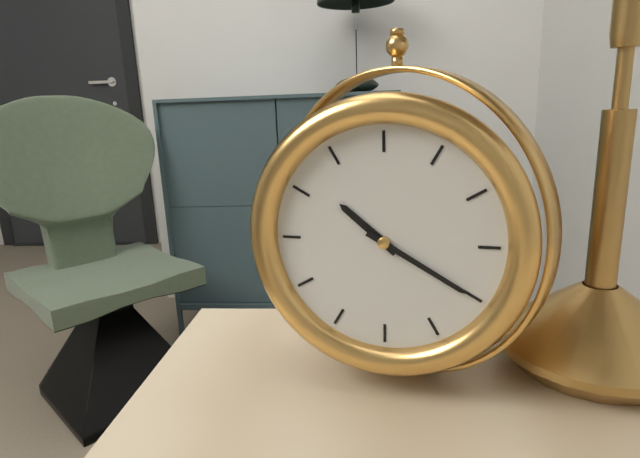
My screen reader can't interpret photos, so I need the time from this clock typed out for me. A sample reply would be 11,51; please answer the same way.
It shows 10,20
